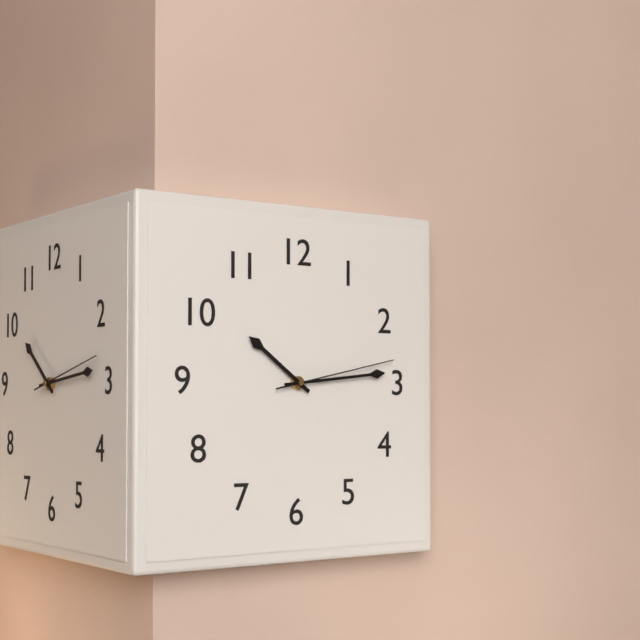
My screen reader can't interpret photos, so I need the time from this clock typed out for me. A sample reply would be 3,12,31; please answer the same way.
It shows 10,14,13
